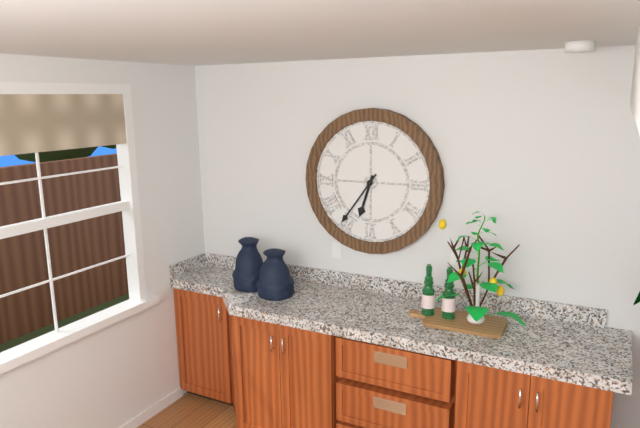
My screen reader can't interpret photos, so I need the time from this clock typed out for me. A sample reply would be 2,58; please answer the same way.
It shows 6,36
